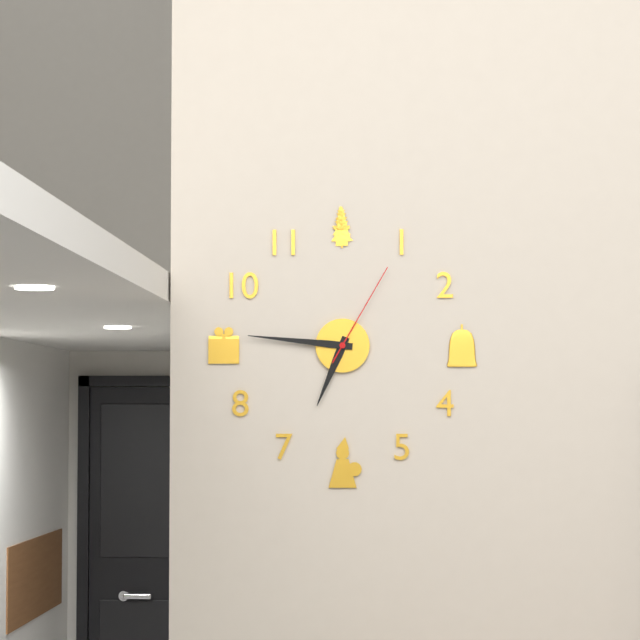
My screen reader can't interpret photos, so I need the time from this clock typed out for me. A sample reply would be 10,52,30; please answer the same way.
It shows 6,46,05
